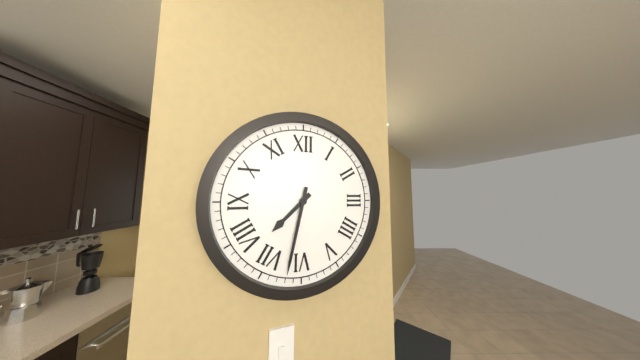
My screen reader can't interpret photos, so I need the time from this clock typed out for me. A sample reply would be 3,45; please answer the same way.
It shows 7,32
